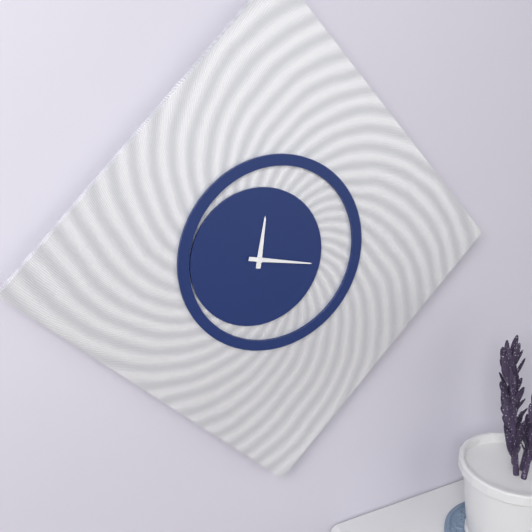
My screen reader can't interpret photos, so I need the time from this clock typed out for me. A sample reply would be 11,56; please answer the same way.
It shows 12,17
